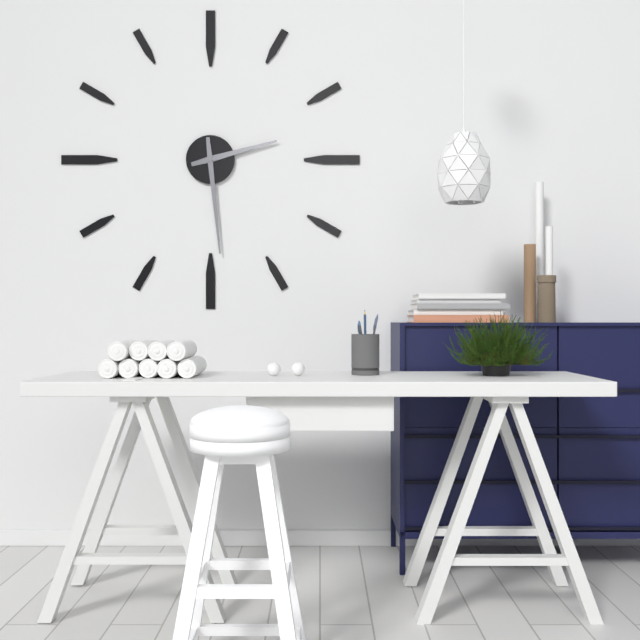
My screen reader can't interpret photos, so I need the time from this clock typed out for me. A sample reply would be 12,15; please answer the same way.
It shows 2,29
